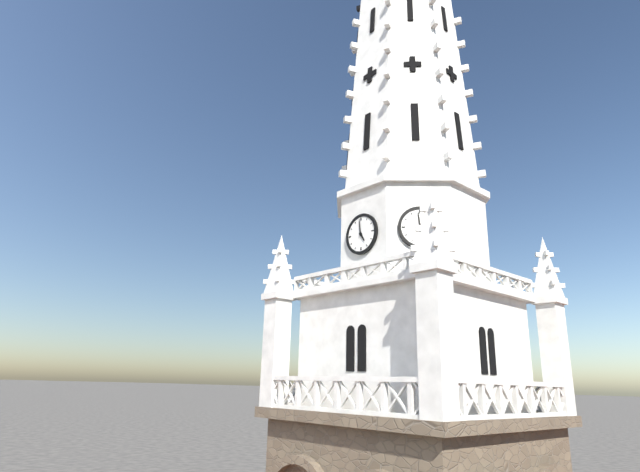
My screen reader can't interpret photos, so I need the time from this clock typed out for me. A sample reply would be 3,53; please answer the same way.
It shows 4,59
